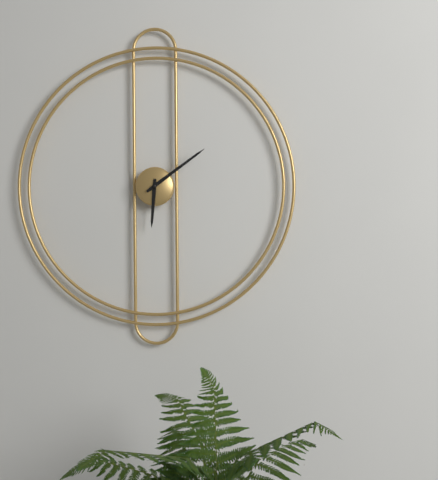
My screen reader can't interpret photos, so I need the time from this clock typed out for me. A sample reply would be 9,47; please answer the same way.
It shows 6,09
